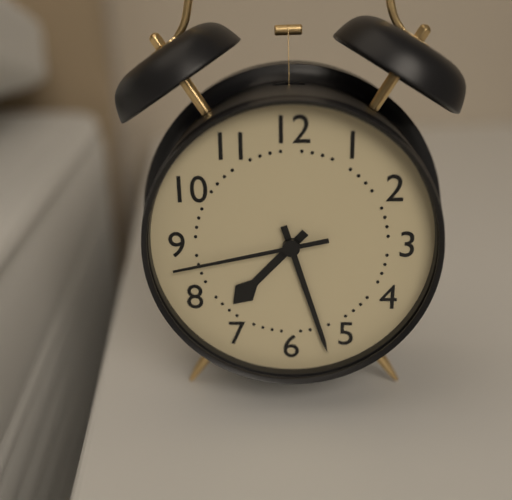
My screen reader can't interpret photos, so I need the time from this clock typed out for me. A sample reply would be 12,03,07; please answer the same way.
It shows 7,27,43
